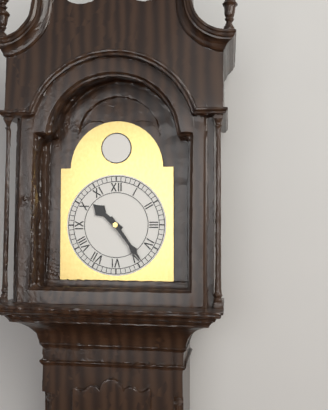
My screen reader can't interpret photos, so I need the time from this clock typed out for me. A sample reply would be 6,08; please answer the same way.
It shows 10,24
